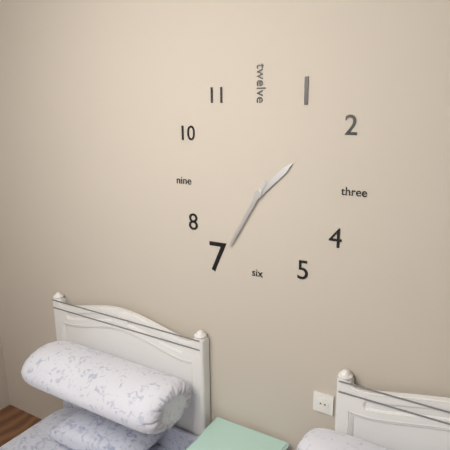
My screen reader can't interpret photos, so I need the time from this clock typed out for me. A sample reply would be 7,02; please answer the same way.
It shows 1,35
